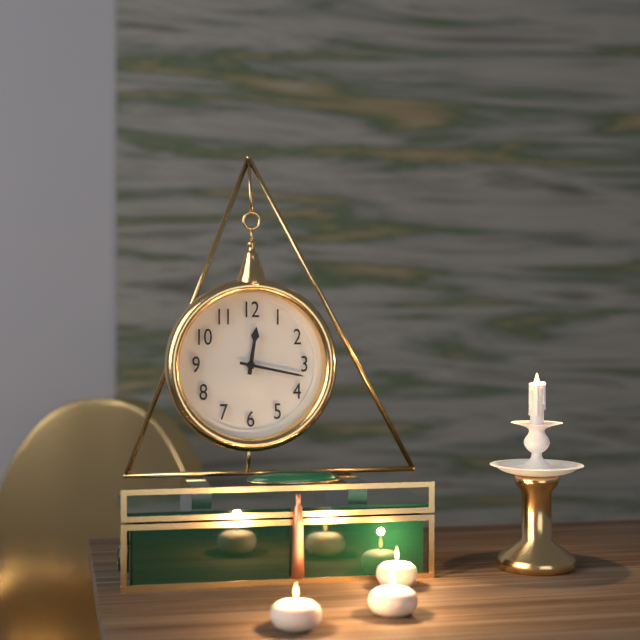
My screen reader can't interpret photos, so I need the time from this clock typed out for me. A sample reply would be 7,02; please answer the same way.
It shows 12,17
